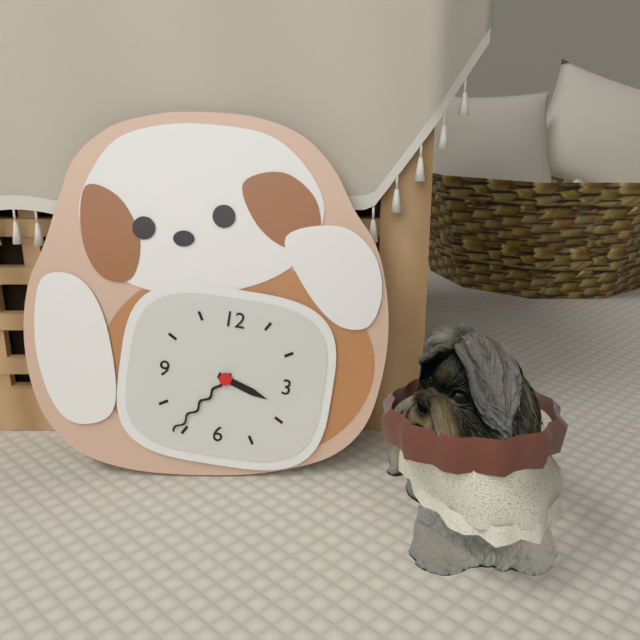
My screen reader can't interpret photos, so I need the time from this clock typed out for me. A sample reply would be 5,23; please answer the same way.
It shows 3,36
